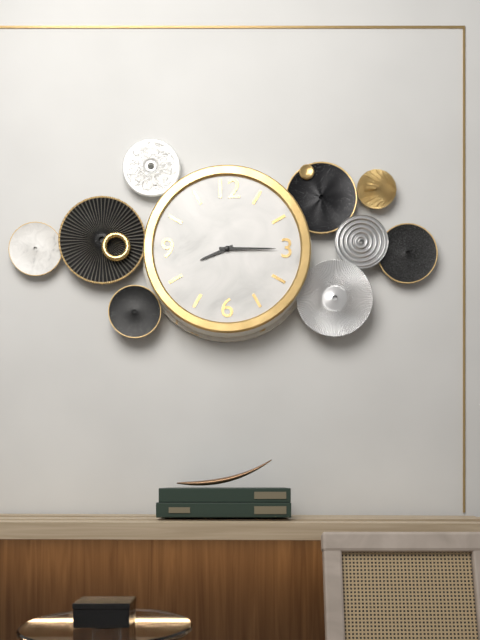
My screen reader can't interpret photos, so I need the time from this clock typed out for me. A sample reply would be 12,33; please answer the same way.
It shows 8,15
